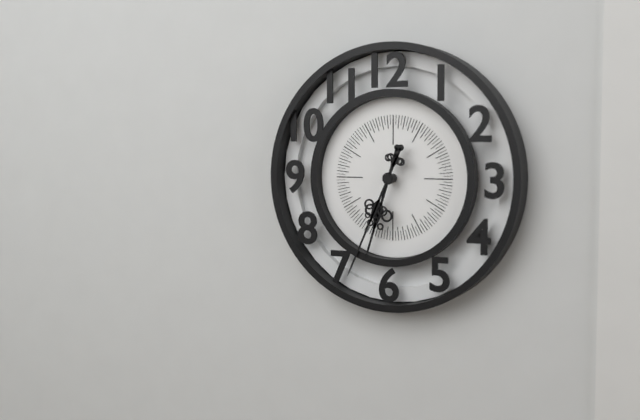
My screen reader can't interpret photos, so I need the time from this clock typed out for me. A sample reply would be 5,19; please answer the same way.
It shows 6,34
